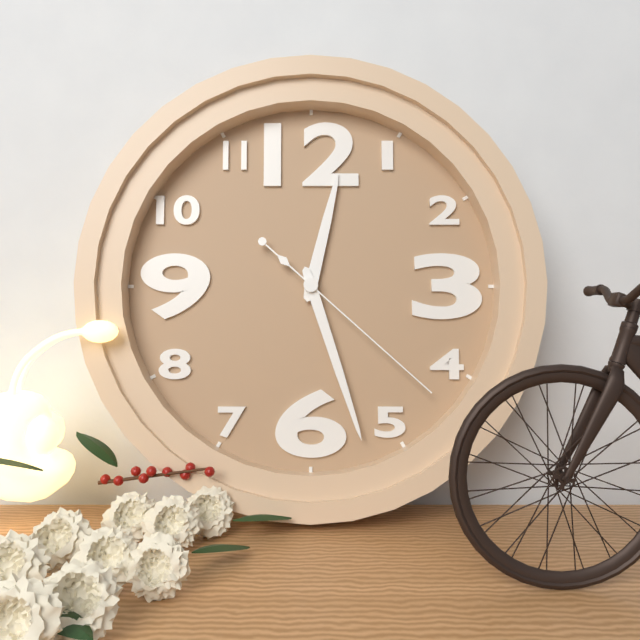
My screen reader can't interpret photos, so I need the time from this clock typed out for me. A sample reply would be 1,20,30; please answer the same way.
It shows 12,27,22
